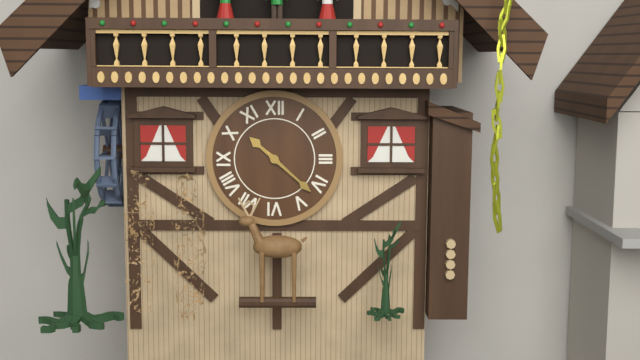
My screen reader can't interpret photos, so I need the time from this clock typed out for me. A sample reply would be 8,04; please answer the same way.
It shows 10,22
